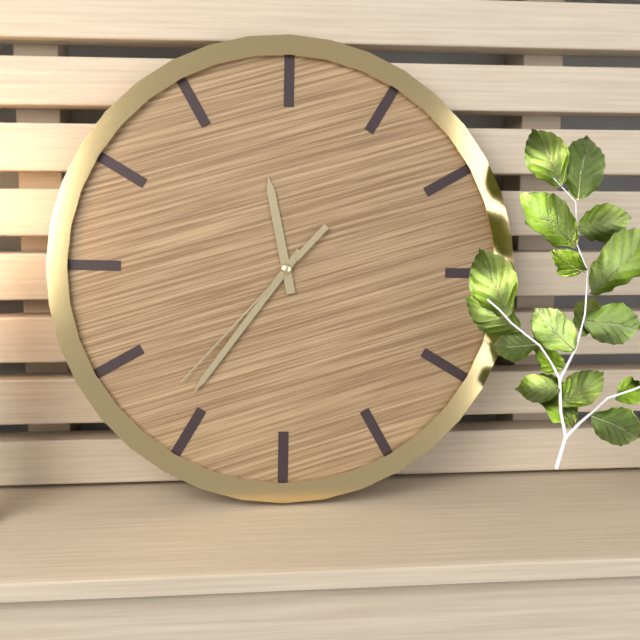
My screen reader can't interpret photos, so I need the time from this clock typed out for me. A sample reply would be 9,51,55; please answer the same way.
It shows 11,36,37
